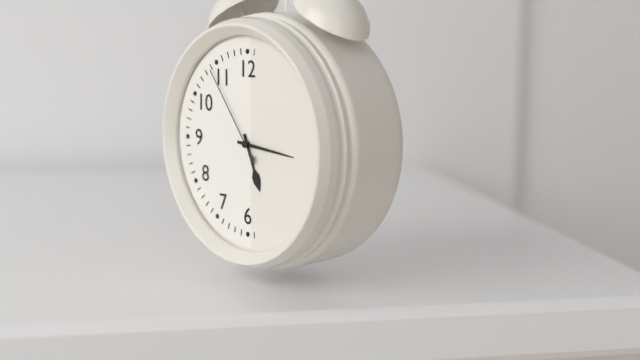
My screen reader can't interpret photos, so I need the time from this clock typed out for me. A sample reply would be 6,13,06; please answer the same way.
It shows 5,16,54
